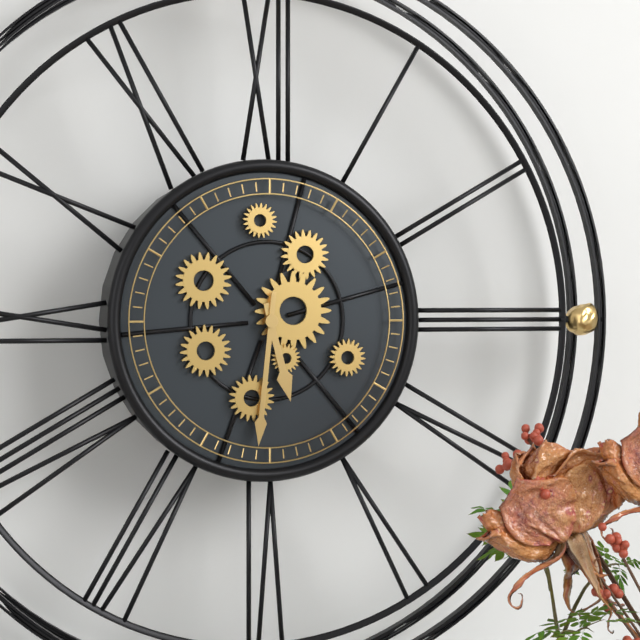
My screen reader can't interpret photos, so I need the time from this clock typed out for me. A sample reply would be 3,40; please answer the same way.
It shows 5,31
